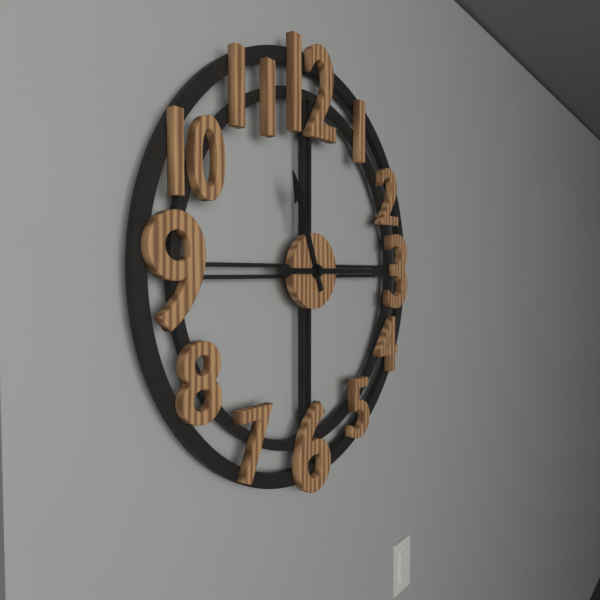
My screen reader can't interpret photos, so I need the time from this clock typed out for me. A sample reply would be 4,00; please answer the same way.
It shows 11,15
